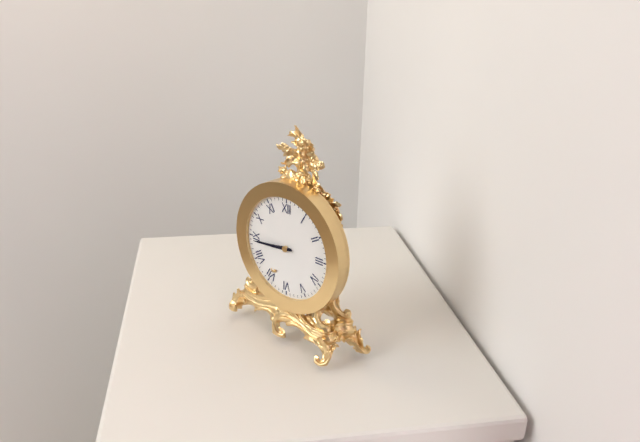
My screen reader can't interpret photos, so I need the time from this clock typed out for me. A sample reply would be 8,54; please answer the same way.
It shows 8,44
